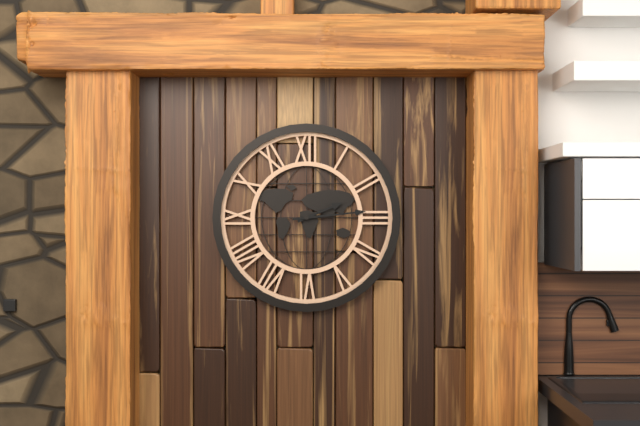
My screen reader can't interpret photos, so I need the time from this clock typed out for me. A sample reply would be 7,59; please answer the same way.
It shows 2,14
